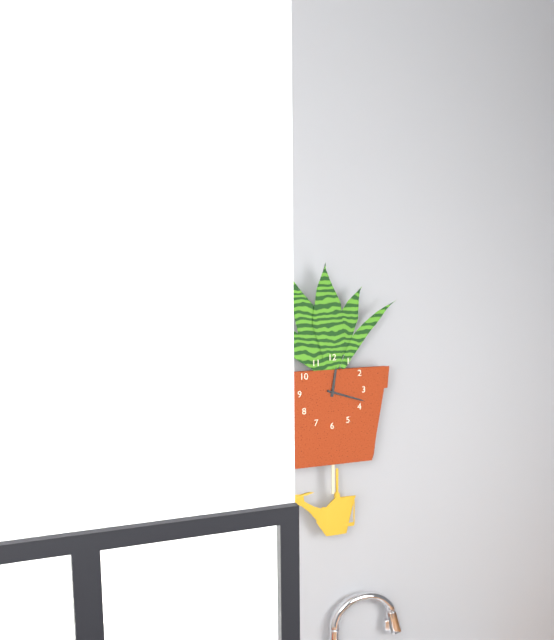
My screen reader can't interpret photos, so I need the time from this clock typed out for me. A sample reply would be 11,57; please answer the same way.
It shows 12,18
